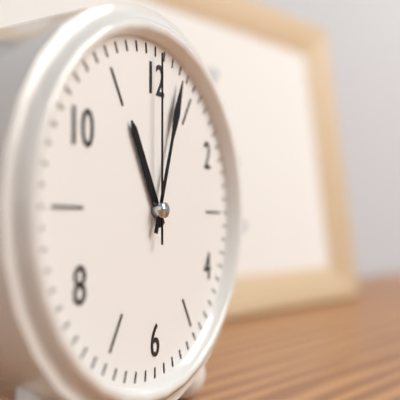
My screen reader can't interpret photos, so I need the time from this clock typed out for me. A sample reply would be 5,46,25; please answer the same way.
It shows 11,03,00
